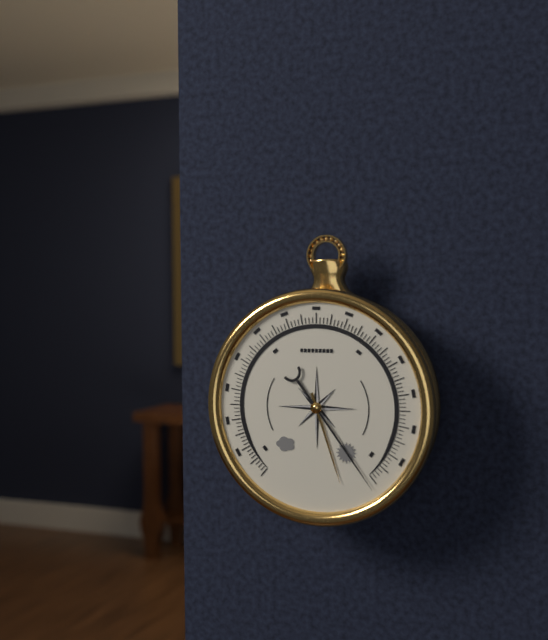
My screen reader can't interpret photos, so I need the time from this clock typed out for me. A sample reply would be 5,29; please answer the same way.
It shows 5,24
